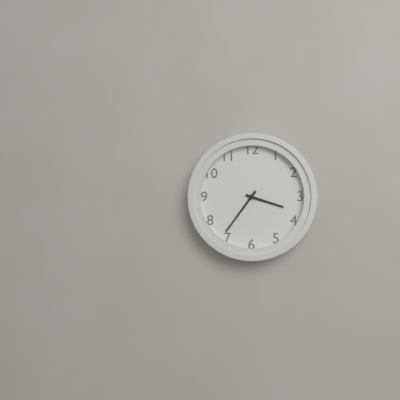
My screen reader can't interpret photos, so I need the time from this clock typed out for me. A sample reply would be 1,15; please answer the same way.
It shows 3,36
